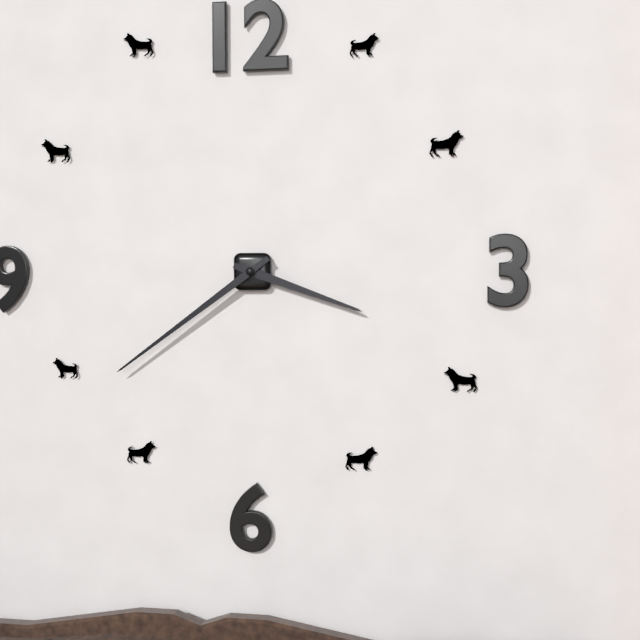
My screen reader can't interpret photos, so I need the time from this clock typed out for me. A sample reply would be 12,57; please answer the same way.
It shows 3,39
